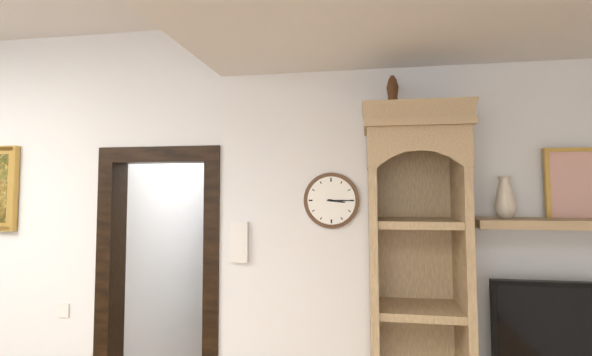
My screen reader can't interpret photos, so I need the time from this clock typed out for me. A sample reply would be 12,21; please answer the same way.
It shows 3,15
